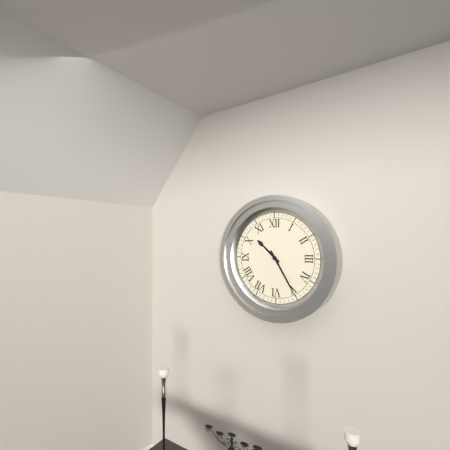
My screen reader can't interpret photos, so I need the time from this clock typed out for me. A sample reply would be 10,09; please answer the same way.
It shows 10,25
